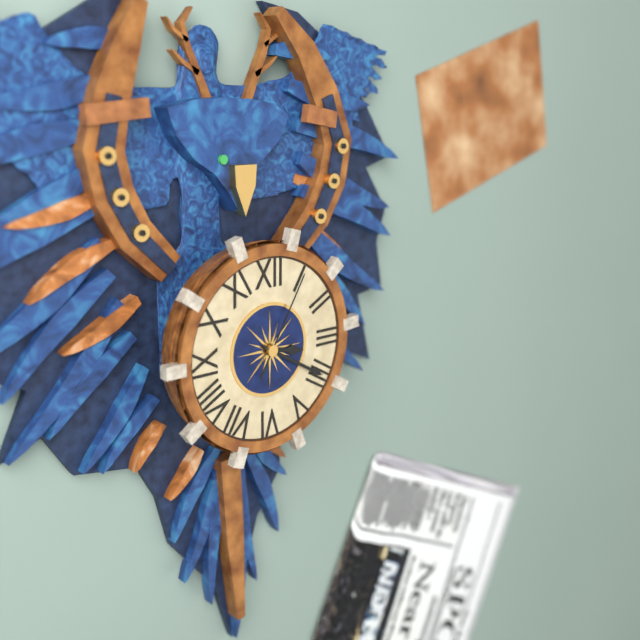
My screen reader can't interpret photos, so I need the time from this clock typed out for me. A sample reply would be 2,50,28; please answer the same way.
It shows 3,20,05
